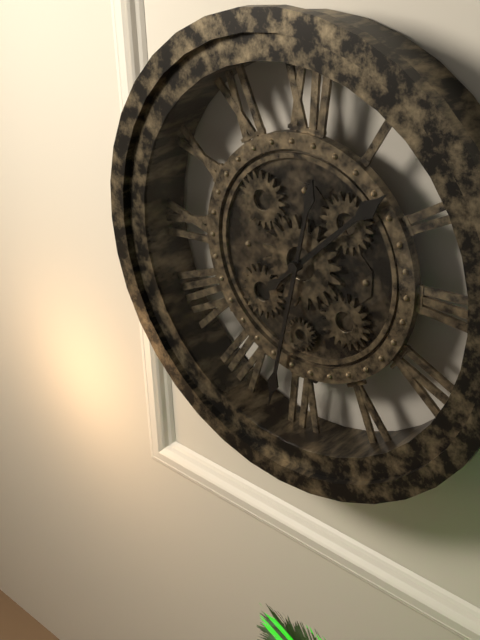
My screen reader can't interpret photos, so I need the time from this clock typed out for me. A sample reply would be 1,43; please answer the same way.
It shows 1,32
